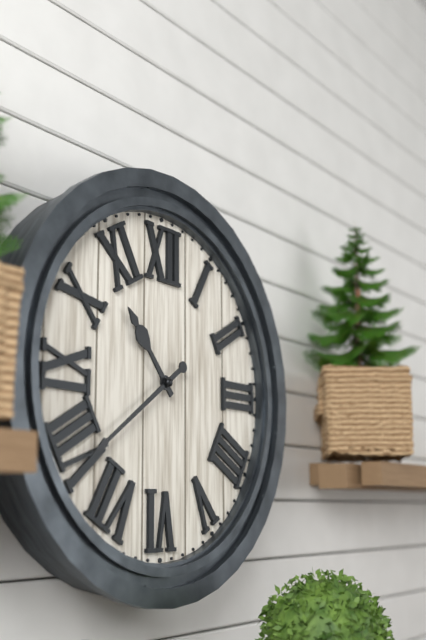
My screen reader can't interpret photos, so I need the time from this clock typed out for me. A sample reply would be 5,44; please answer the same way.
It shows 10,39
